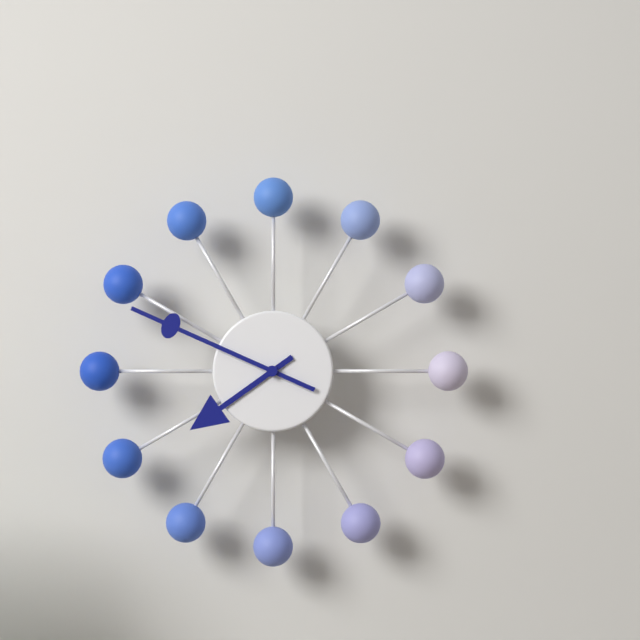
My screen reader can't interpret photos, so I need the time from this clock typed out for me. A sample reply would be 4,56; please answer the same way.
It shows 7,49
